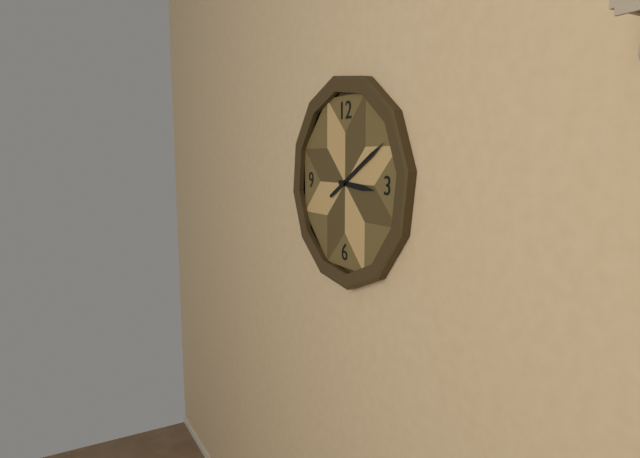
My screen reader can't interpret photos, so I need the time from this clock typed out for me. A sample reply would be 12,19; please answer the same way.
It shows 3,10
